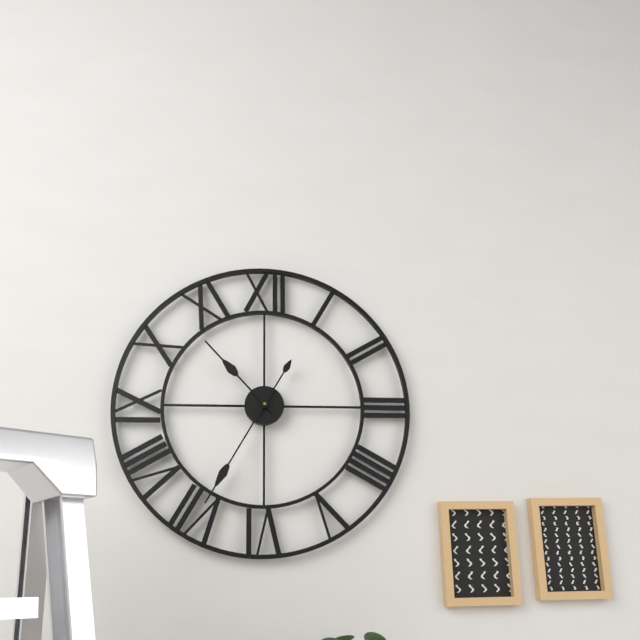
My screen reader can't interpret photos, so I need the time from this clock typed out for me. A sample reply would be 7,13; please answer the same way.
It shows 10,35
